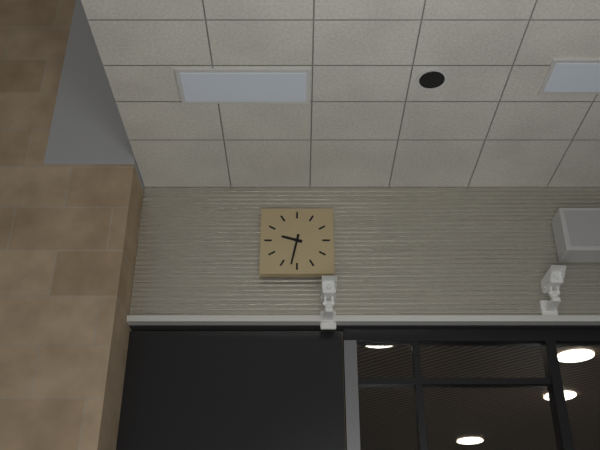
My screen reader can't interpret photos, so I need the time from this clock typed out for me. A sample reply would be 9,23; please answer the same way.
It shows 9,32
